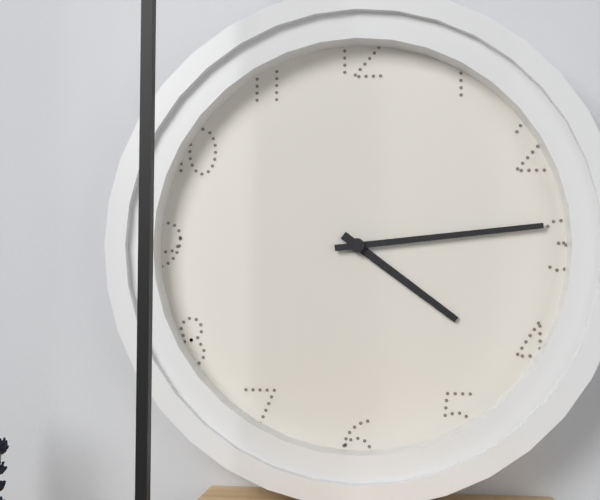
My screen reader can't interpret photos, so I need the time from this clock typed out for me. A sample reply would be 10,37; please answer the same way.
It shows 4,14
